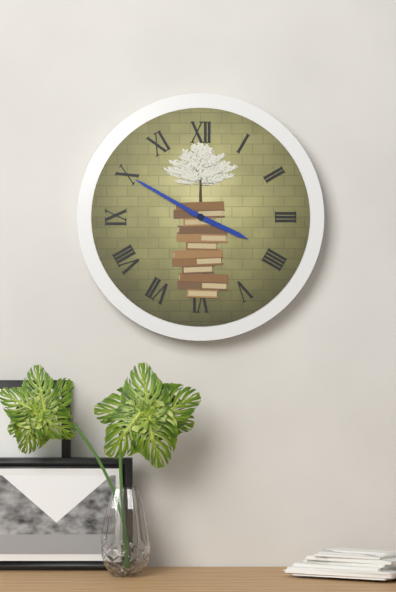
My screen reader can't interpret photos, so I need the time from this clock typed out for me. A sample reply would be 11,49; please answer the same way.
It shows 3,50
